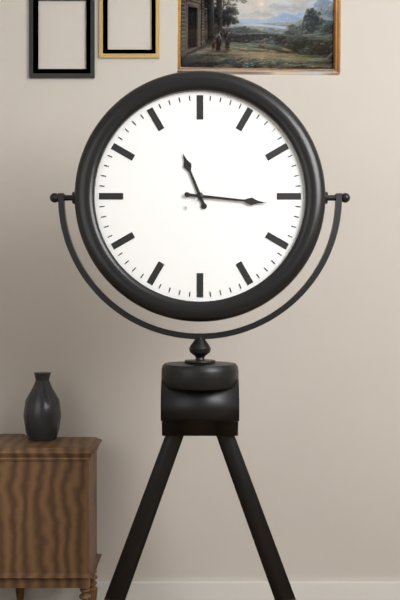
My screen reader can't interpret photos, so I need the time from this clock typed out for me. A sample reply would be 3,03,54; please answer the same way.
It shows 11,16,08
